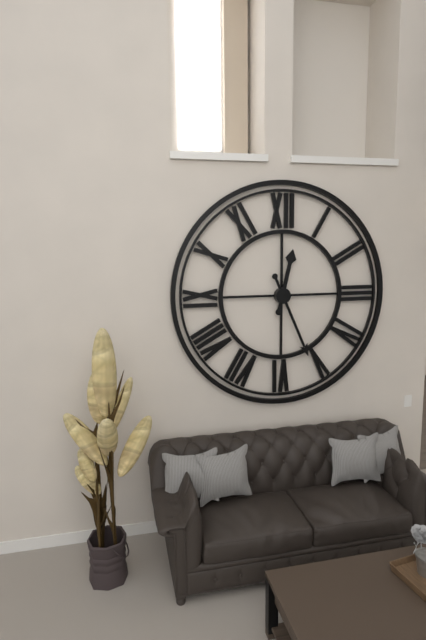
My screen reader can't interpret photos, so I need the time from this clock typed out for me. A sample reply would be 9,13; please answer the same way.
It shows 12,26
